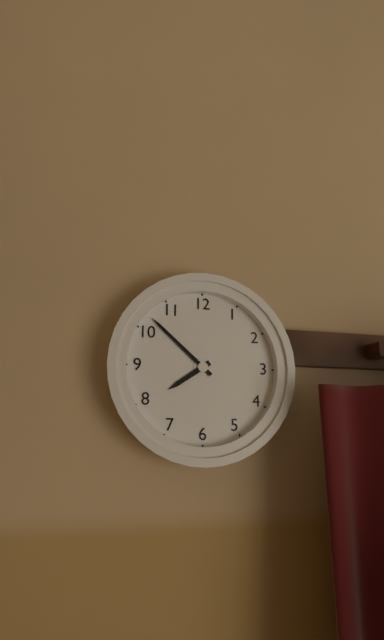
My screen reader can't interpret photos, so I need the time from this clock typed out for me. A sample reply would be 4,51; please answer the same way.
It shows 7,52
